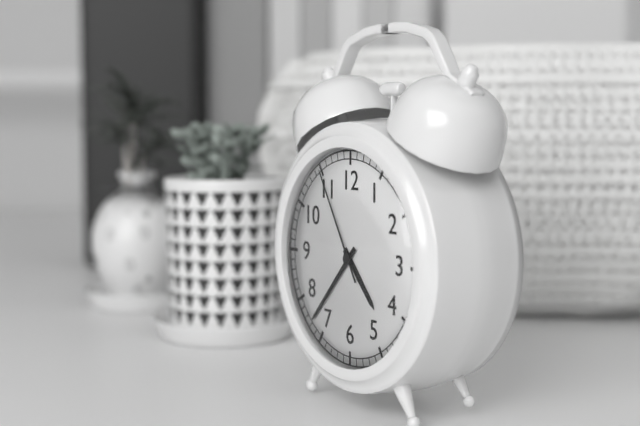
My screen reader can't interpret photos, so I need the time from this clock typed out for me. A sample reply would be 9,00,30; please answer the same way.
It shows 4,37,55
